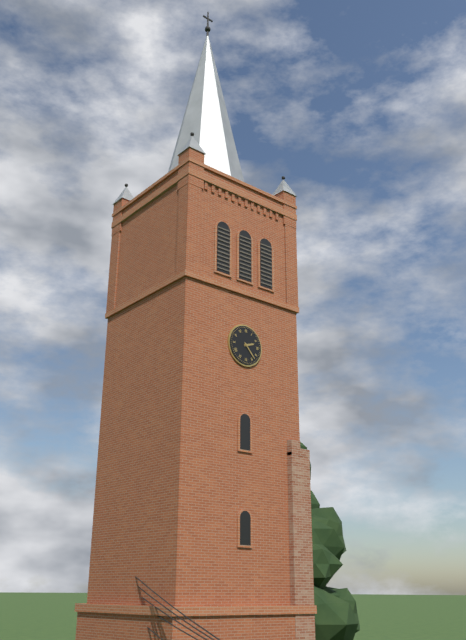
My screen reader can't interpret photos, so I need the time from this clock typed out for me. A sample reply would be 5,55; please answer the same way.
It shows 2,23
